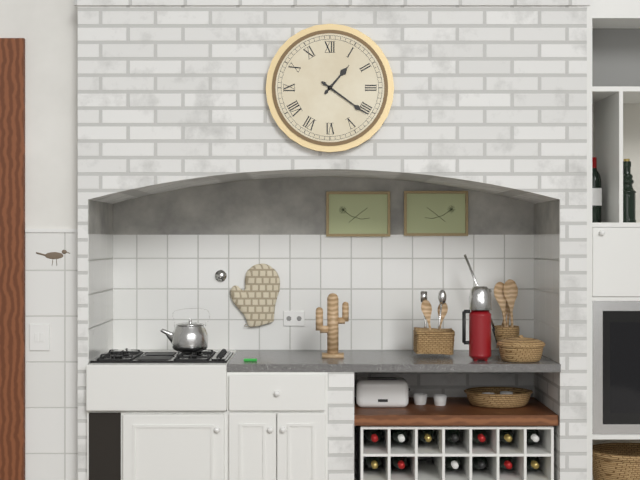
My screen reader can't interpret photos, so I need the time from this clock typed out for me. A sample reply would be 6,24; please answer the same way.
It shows 1,21
